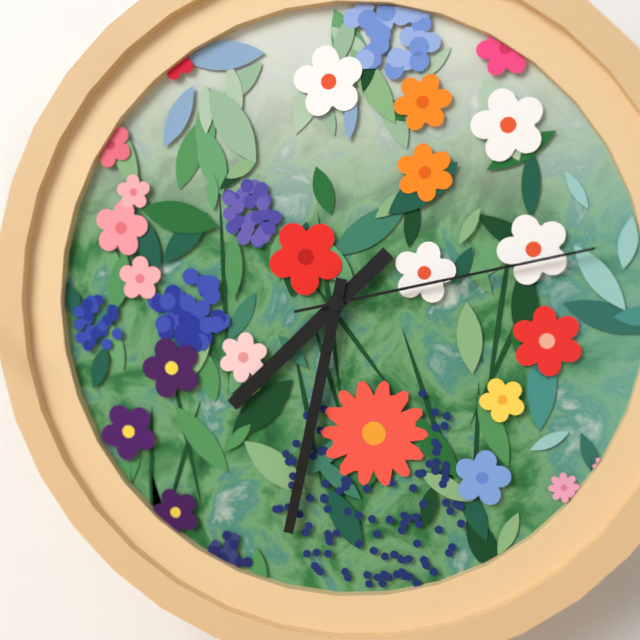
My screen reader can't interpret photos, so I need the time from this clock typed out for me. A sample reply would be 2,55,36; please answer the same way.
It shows 7,32,13
